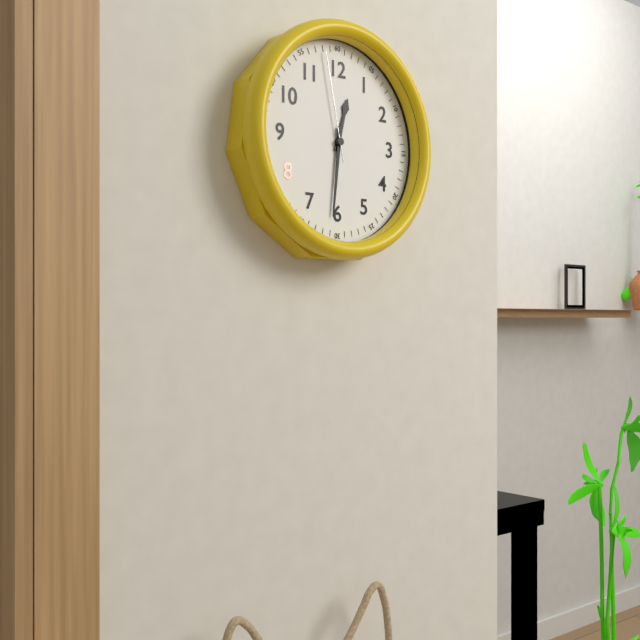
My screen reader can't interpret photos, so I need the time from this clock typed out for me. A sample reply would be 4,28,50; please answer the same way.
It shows 12,31,58
